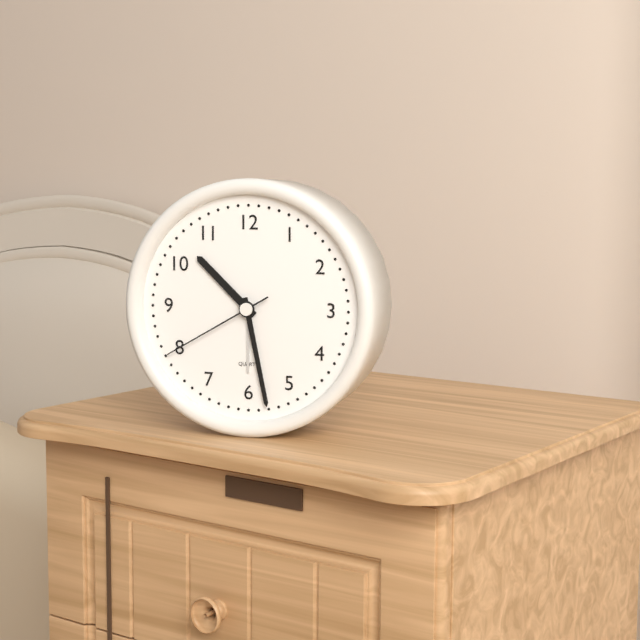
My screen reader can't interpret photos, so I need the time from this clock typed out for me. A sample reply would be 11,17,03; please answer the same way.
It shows 10,28,40
